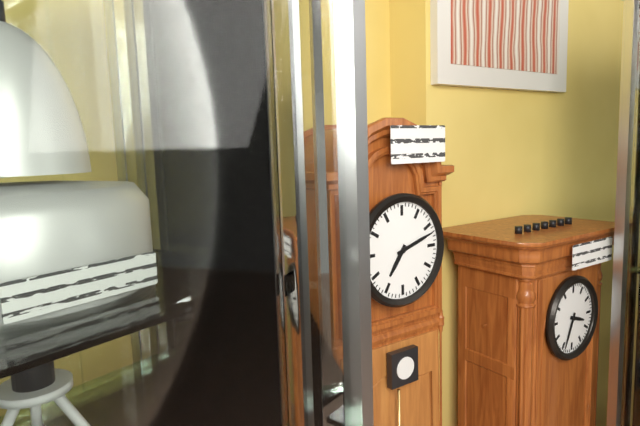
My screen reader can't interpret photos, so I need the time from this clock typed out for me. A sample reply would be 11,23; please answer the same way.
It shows 7,12
